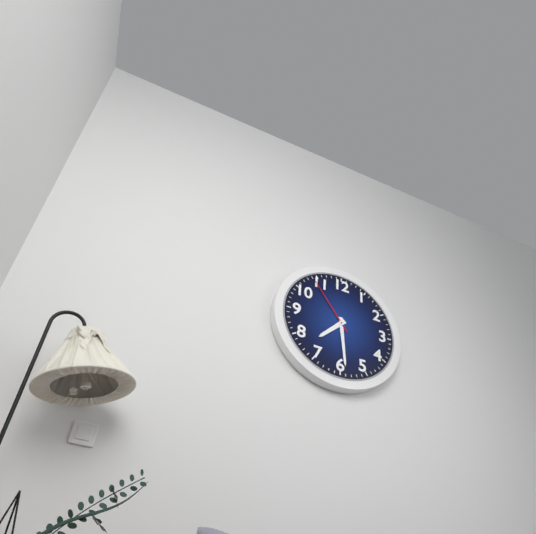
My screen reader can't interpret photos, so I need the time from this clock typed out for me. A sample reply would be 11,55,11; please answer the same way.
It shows 7,29,54
